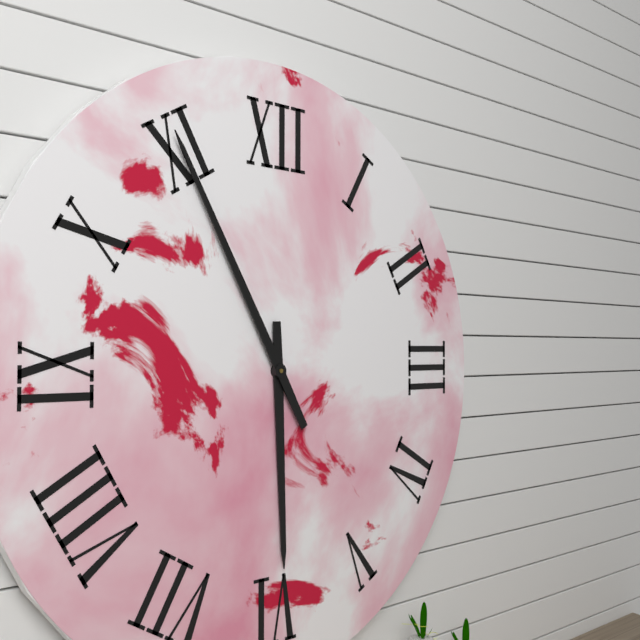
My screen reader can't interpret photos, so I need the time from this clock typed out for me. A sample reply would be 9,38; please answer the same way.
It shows 5,55
